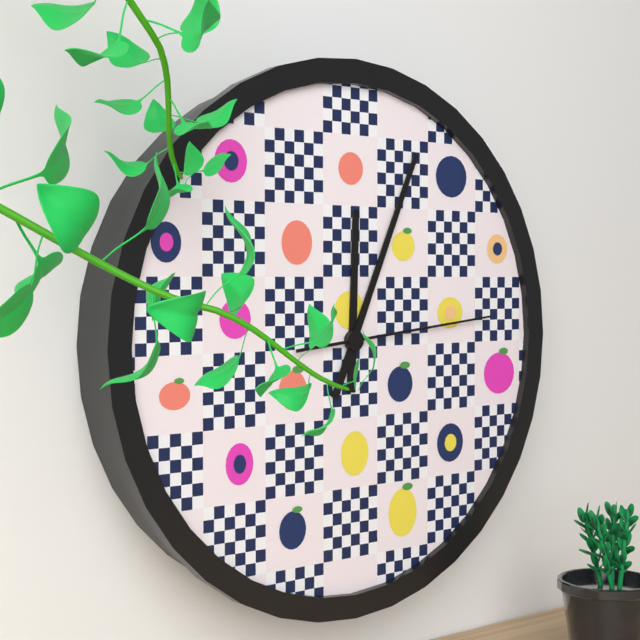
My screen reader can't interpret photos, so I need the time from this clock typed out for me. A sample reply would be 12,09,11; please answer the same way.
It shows 12,04,14
